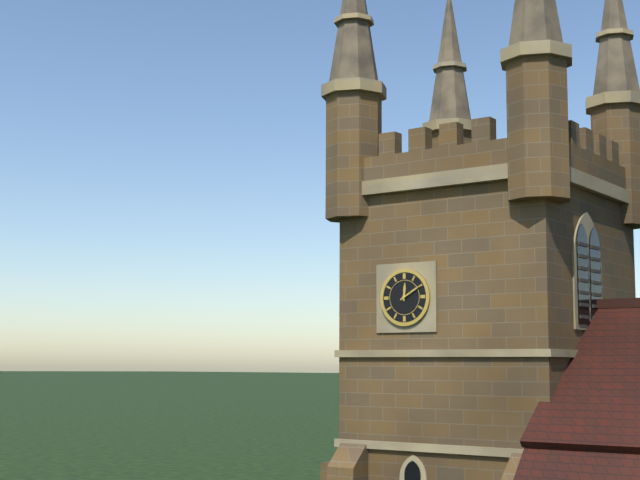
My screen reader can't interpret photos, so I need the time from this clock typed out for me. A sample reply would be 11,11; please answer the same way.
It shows 12,10
